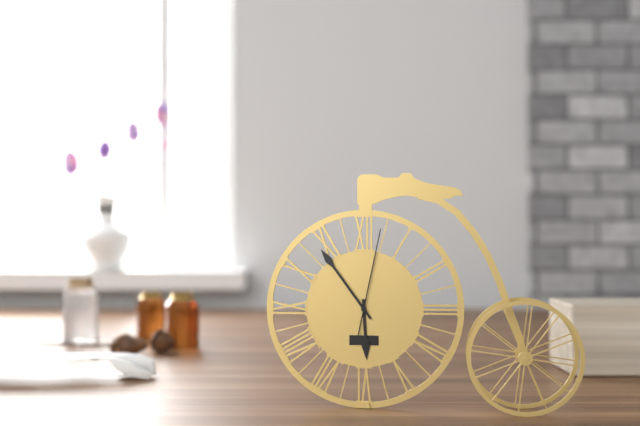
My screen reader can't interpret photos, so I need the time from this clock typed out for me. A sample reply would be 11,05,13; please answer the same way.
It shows 5,54,02
